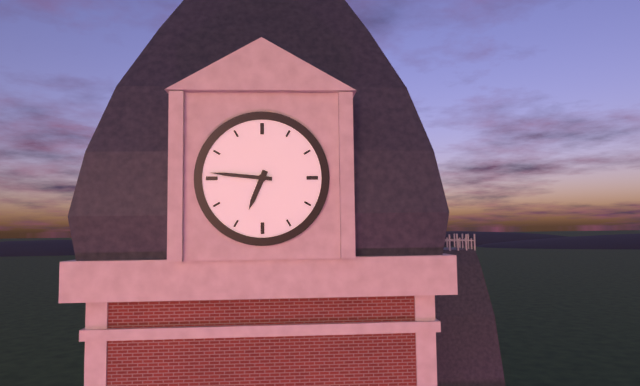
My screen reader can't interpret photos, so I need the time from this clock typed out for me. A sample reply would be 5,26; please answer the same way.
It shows 6,46
